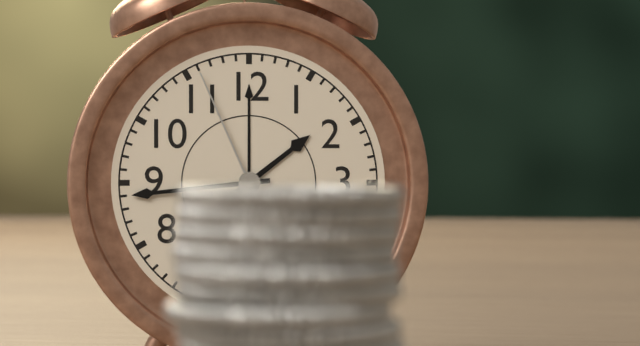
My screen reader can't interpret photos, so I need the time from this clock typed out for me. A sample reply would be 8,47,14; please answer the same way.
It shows 1,44,56
